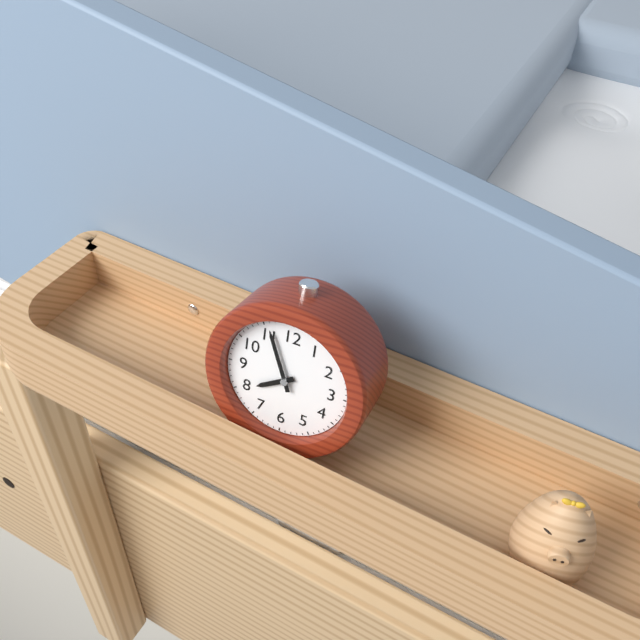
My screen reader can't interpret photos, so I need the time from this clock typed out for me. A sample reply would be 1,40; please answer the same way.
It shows 7,56
